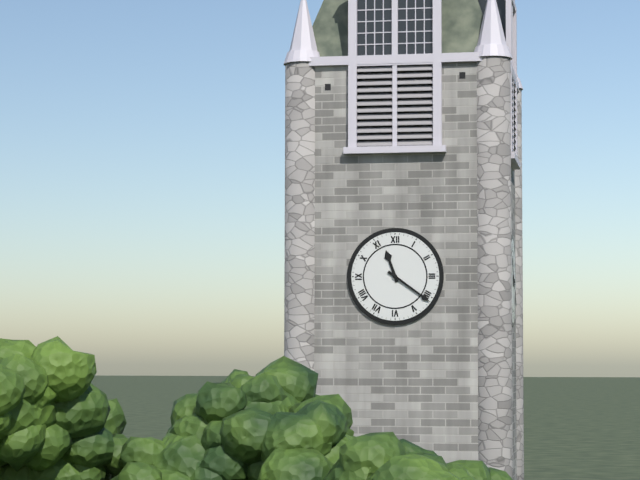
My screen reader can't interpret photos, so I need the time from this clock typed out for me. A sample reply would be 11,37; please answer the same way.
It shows 11,21
